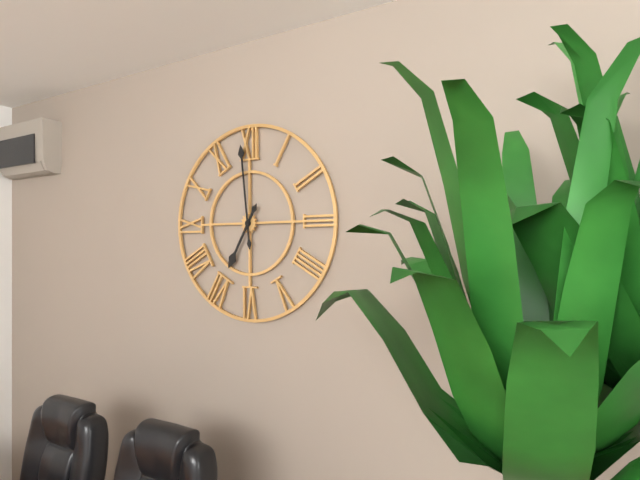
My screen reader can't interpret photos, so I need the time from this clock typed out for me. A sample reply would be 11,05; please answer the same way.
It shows 6,59
